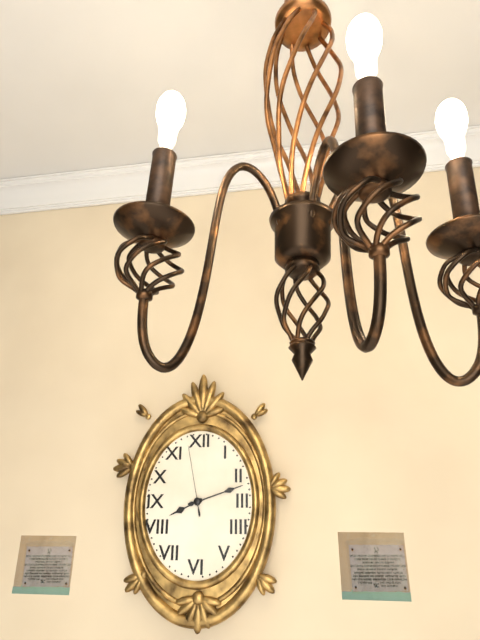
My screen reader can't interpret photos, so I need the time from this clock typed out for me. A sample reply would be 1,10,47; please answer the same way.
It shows 8,12,58
